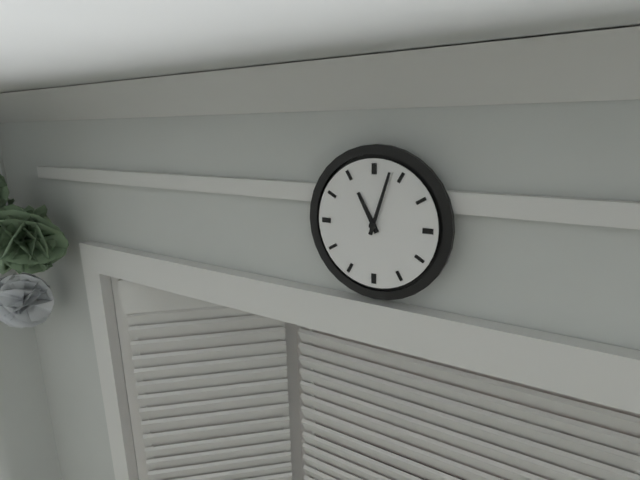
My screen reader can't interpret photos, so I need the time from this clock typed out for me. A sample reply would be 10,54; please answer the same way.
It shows 11,03
